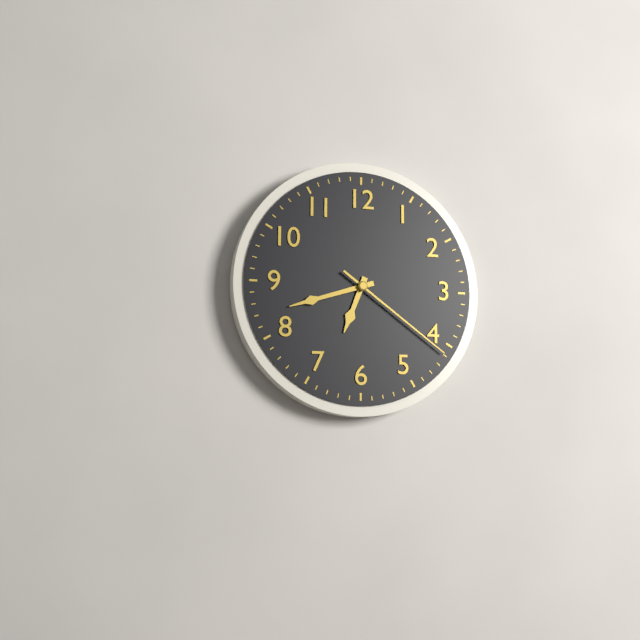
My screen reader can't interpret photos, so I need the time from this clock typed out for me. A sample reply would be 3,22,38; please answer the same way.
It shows 6,42,21
